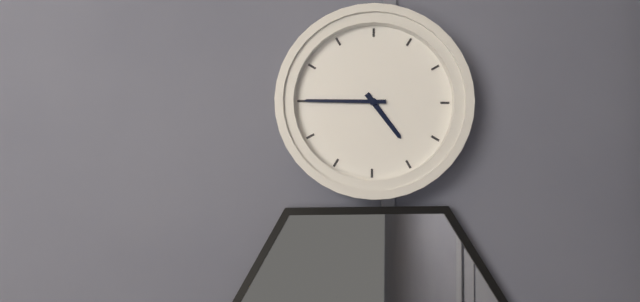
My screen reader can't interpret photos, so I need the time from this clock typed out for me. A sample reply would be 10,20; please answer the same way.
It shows 4,45
